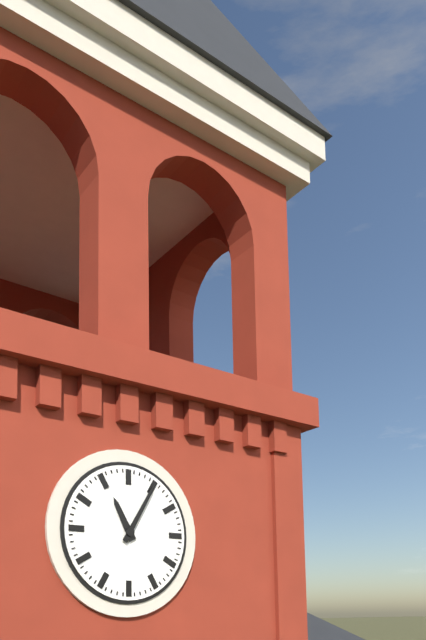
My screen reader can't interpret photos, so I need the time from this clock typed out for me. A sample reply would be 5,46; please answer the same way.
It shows 11,05
